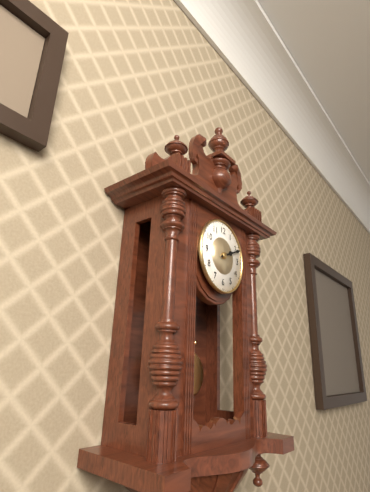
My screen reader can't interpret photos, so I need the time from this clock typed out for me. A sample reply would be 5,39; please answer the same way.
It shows 2,11
